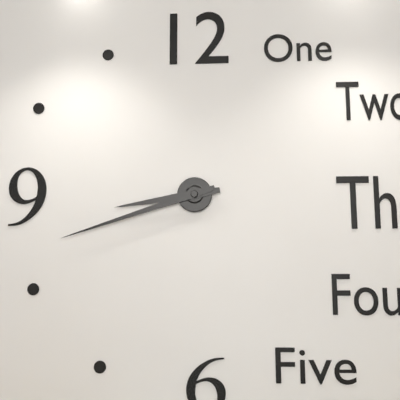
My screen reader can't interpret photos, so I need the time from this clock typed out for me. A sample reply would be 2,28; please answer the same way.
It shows 8,42
